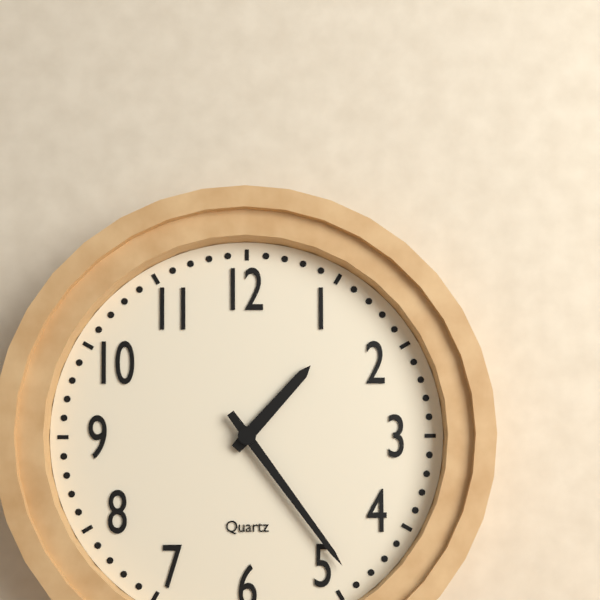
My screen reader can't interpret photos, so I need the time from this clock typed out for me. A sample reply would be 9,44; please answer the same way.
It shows 1,24
